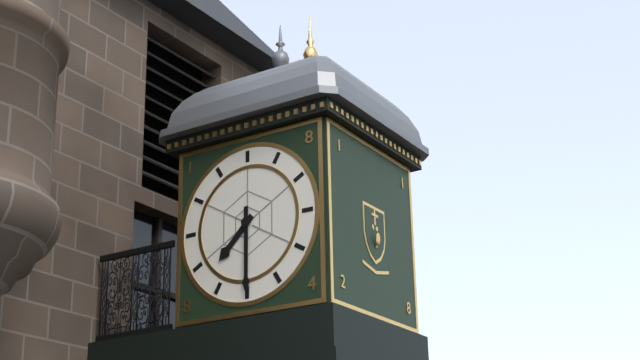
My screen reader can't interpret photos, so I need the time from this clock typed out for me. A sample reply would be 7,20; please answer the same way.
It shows 7,30
